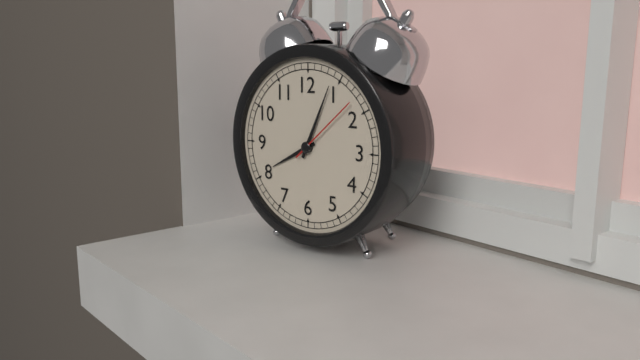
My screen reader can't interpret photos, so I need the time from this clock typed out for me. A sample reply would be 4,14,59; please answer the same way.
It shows 8,04,08
